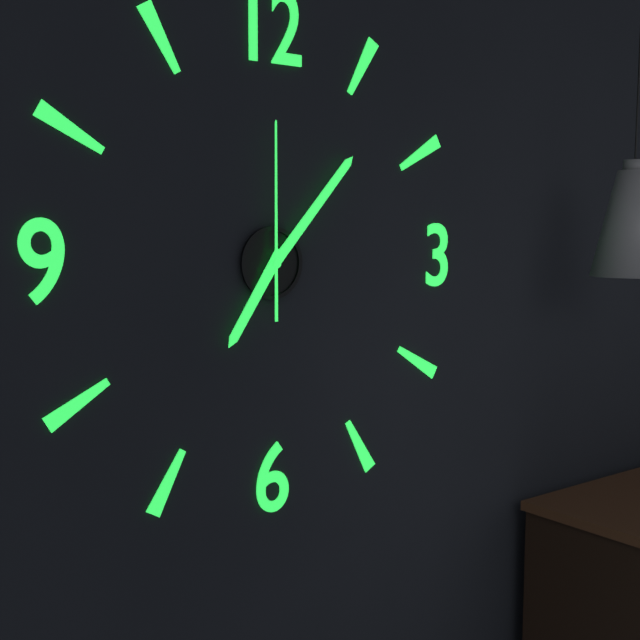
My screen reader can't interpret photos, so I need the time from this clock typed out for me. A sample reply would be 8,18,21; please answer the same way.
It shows 7,07,00
